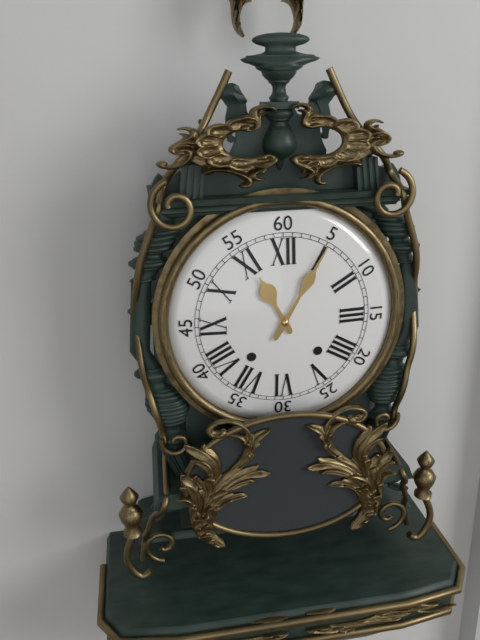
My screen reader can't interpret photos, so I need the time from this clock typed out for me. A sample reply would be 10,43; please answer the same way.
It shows 11,05
